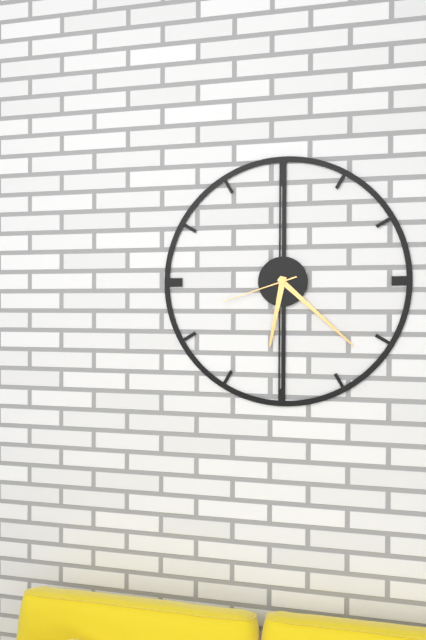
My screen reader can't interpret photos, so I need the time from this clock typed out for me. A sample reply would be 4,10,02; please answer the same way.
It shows 6,22,42
